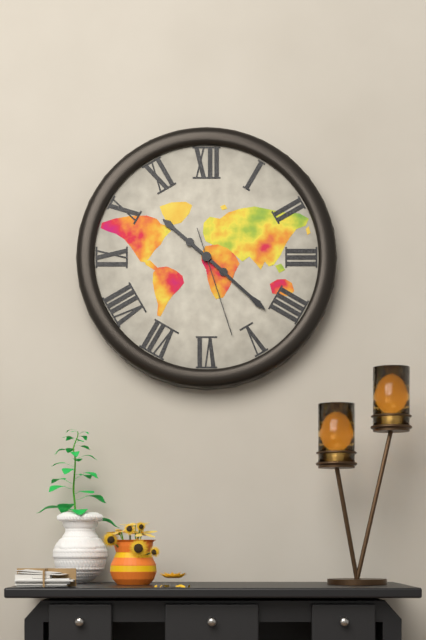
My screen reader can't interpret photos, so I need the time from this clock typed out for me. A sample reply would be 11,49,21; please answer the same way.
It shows 10,22,27
